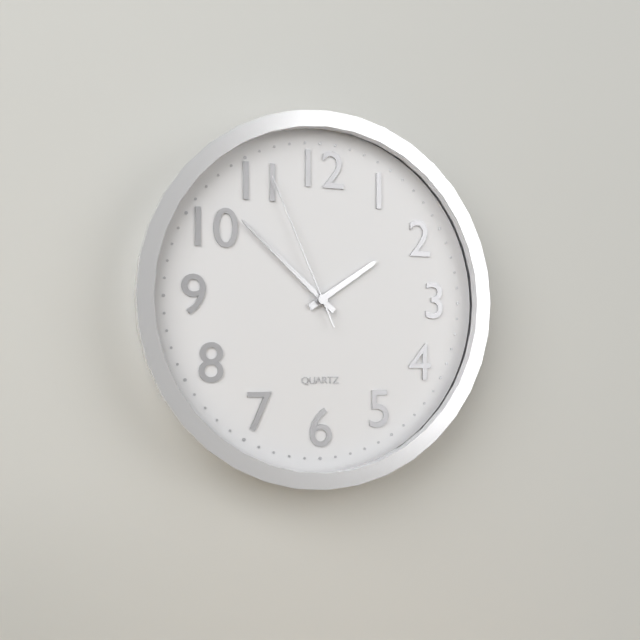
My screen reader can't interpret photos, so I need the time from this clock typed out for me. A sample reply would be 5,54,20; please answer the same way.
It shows 1,52,56
